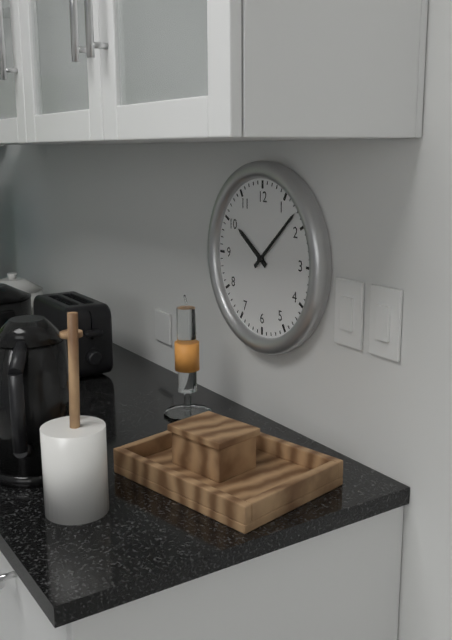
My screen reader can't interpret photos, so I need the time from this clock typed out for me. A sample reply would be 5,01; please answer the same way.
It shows 10,08
